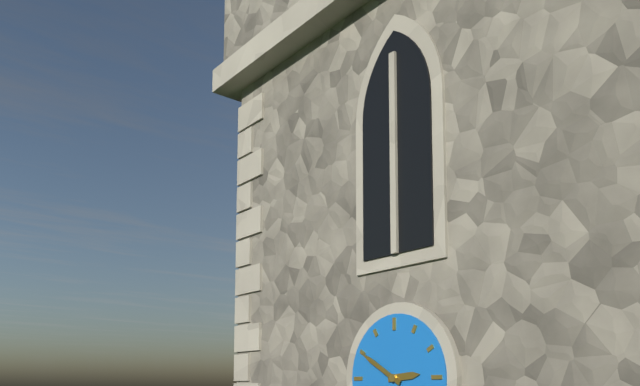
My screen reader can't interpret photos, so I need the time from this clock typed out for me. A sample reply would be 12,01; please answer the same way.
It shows 2,50
